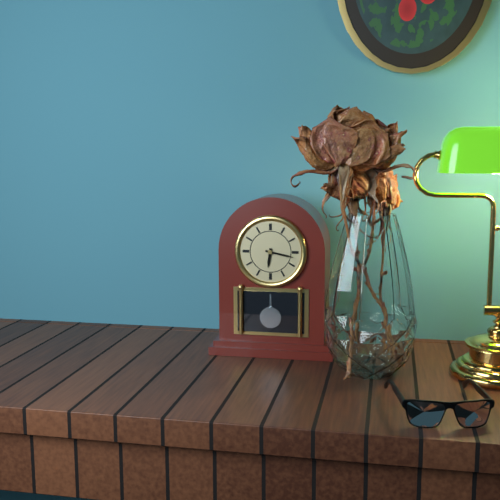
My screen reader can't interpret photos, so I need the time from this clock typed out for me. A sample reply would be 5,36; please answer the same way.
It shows 6,17
